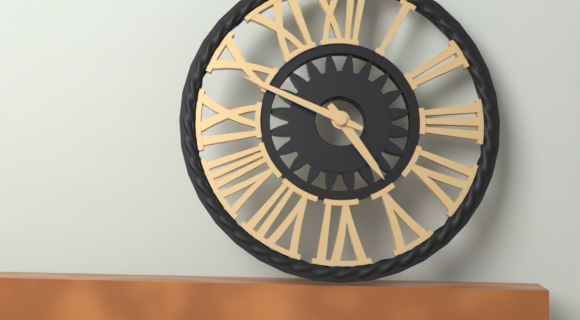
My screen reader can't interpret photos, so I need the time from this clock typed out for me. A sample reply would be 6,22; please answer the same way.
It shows 4,49
